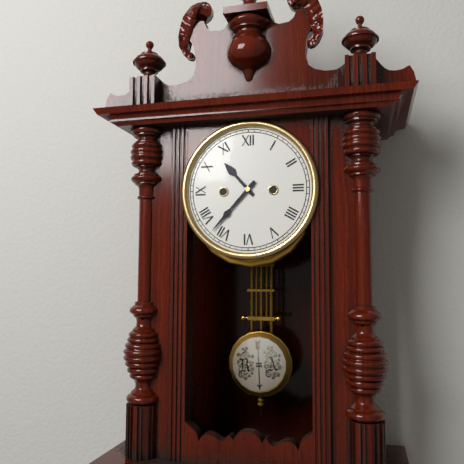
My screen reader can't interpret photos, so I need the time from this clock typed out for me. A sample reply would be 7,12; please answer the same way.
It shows 10,37
